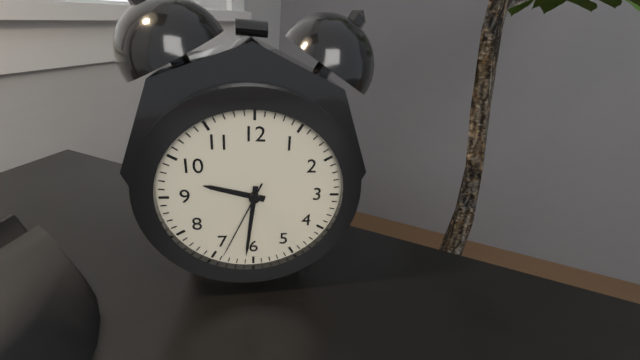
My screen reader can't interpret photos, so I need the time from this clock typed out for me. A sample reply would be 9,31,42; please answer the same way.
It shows 9,31,34
